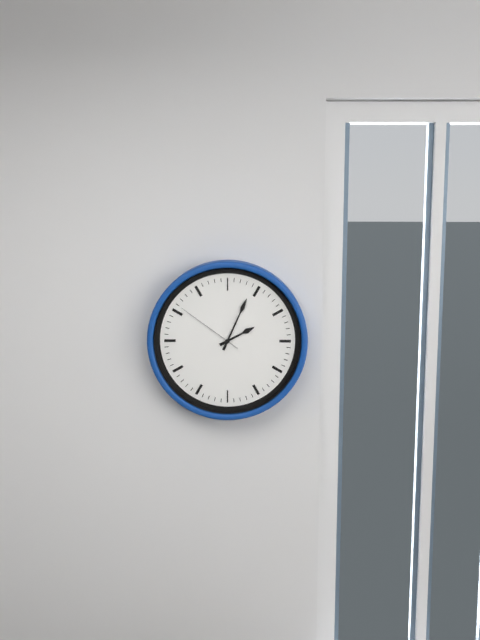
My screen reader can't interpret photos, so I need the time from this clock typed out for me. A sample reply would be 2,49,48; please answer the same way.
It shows 2,04,51
